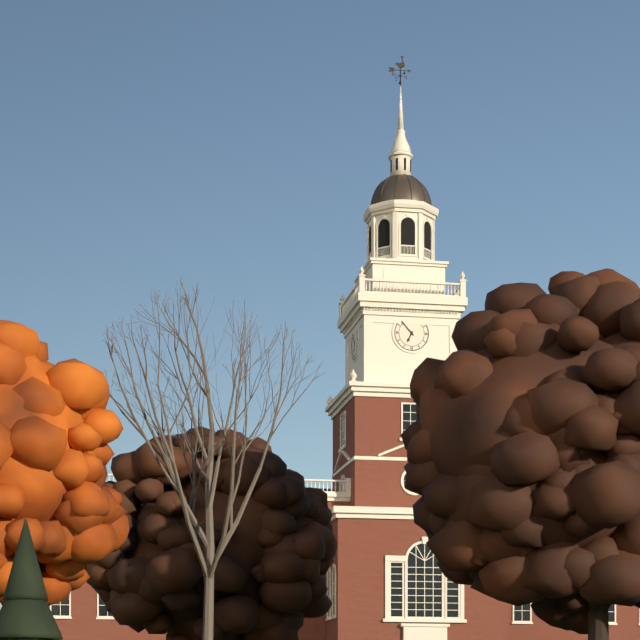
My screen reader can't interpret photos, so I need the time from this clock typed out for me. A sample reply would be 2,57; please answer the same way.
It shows 6,53
